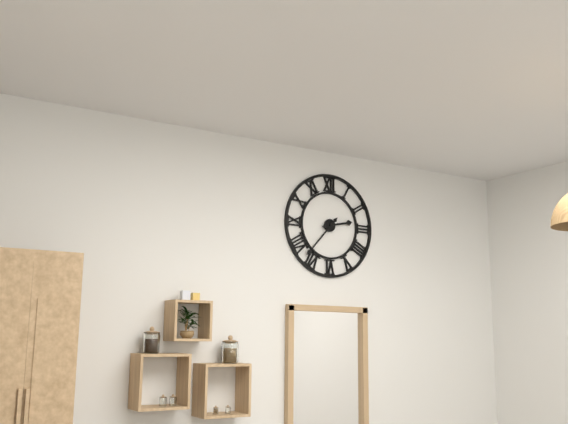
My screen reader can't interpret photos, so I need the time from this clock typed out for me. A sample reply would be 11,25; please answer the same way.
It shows 2,37
